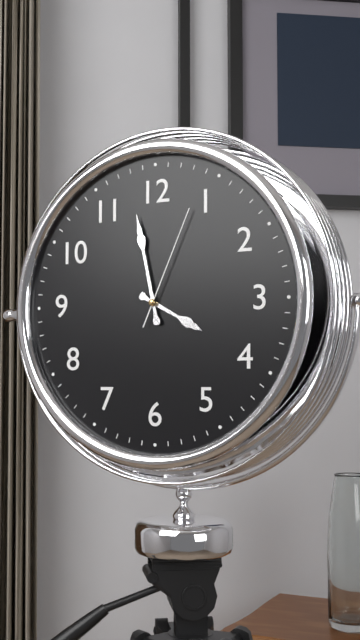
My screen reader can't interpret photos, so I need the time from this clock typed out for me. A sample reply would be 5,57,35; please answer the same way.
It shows 3,58,04
